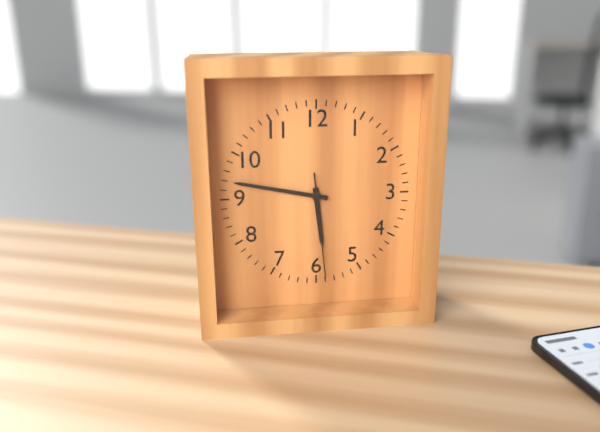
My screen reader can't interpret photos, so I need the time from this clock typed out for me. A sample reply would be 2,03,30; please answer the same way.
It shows 5,47,29
